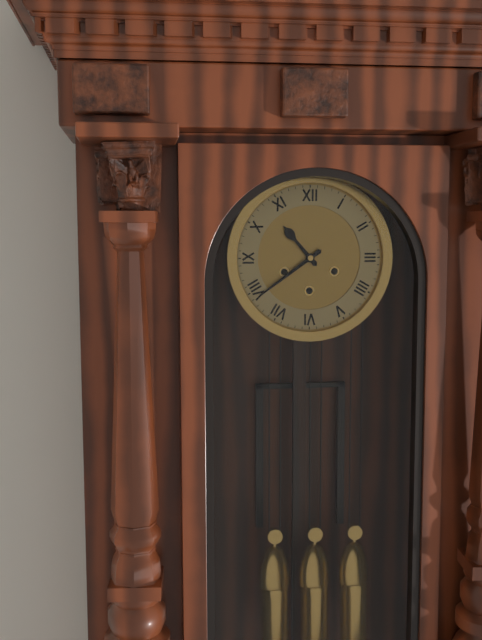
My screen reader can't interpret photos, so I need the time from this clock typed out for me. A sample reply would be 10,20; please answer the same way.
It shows 10,39
